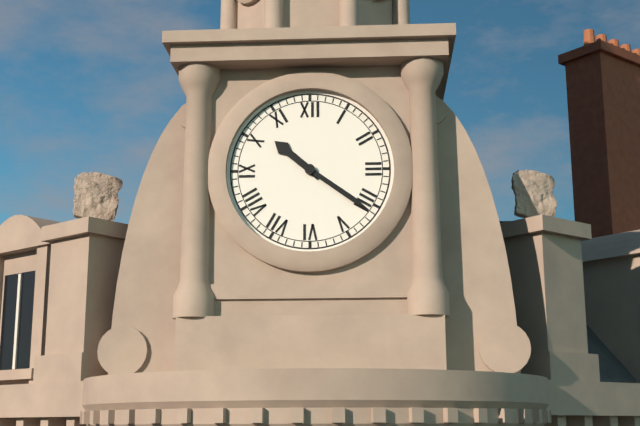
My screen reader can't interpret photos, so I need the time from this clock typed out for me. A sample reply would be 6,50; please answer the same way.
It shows 10,21
